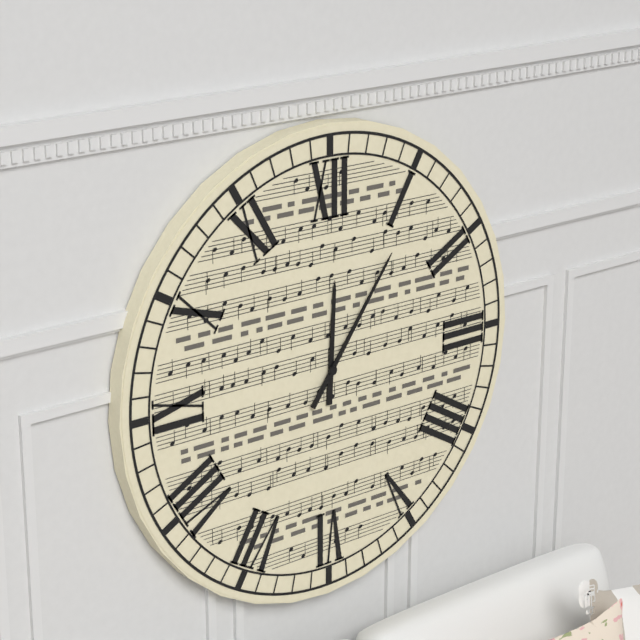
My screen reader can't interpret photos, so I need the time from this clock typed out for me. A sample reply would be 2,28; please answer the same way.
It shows 12,06
